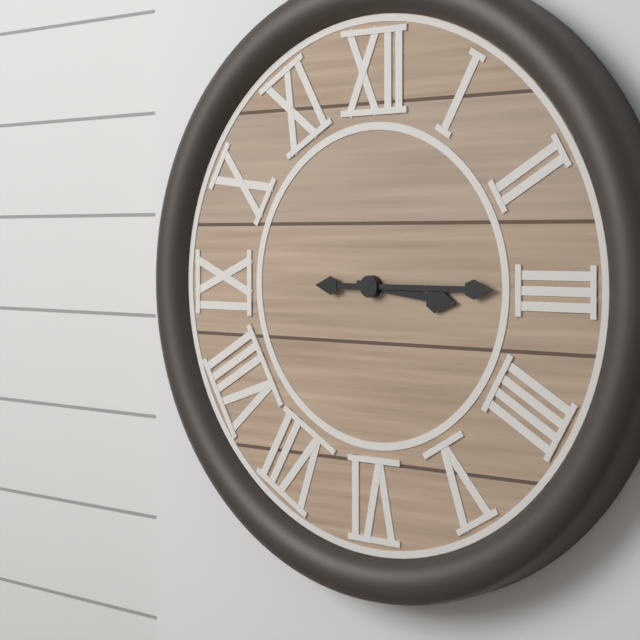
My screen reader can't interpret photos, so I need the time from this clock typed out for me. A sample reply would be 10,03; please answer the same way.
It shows 3,15
